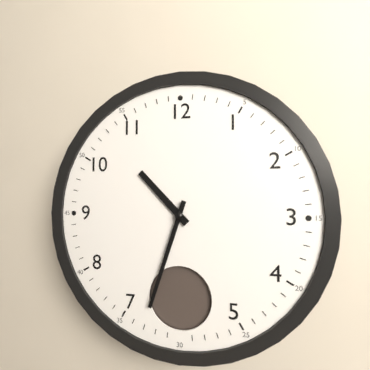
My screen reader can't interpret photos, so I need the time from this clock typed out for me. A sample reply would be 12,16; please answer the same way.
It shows 10,33
